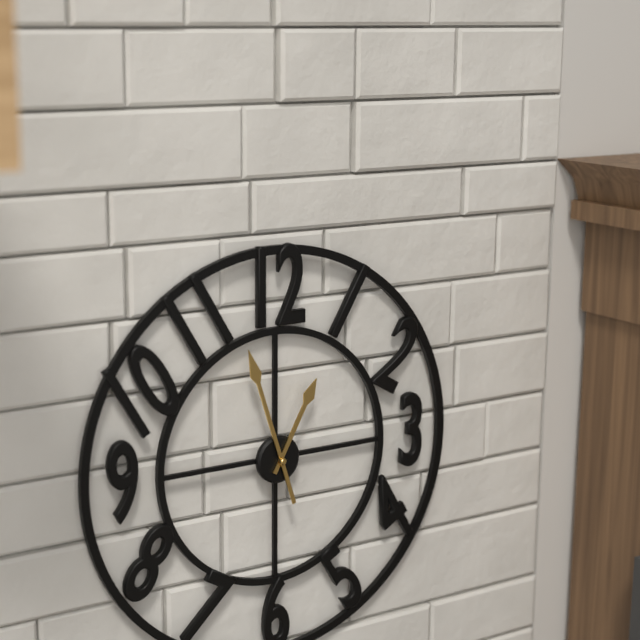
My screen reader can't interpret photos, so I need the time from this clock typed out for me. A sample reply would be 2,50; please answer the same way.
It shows 12,57
